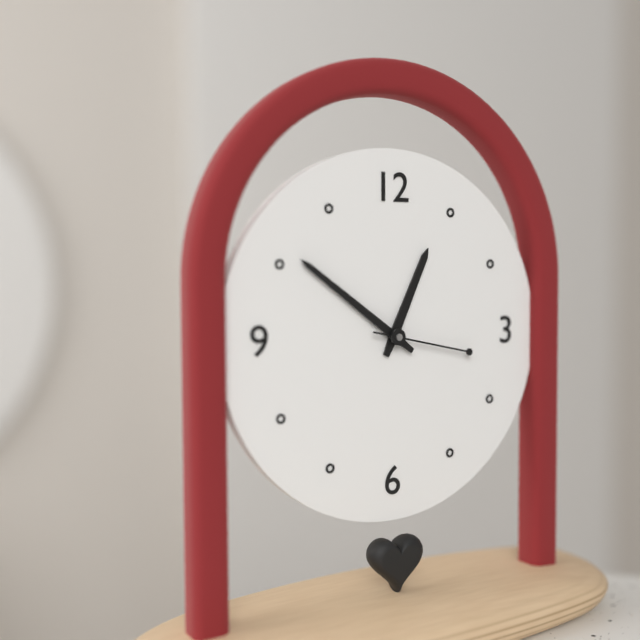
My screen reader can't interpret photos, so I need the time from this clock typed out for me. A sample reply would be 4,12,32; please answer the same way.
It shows 12,51,17
